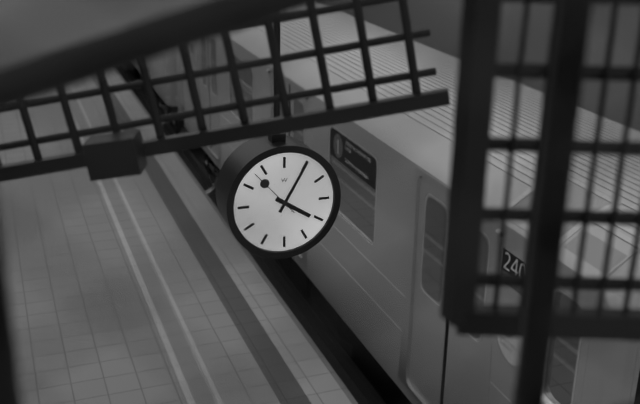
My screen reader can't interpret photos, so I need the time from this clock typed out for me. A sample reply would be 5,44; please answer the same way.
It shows 4,05
